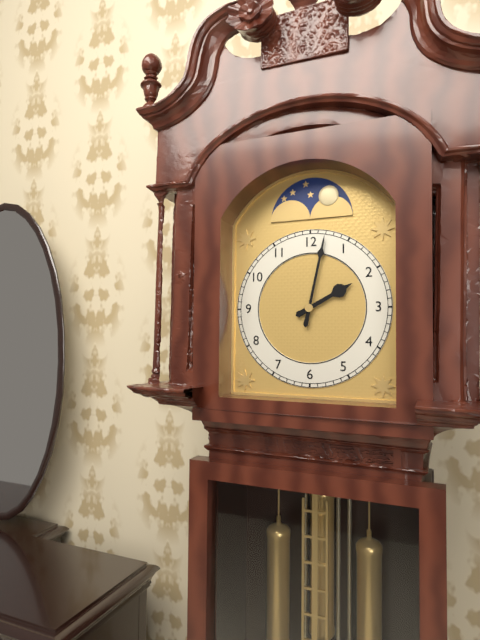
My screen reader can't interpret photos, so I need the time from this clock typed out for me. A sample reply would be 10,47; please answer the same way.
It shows 2,02
